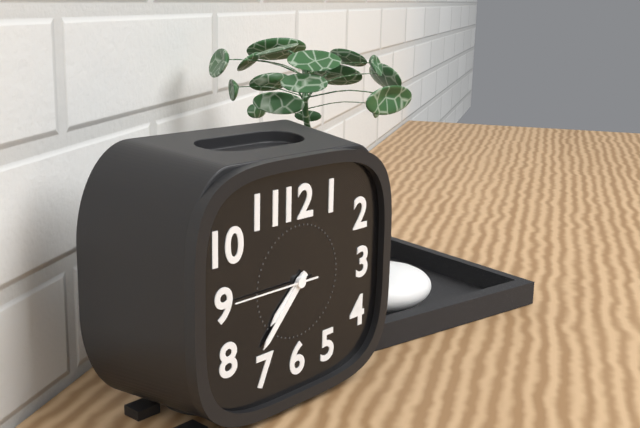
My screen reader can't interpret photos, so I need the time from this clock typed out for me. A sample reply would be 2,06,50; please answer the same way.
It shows 7,37,45
